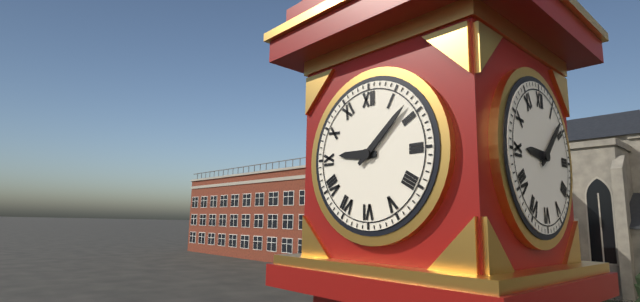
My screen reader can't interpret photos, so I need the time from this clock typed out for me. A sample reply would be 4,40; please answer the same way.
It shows 9,08
